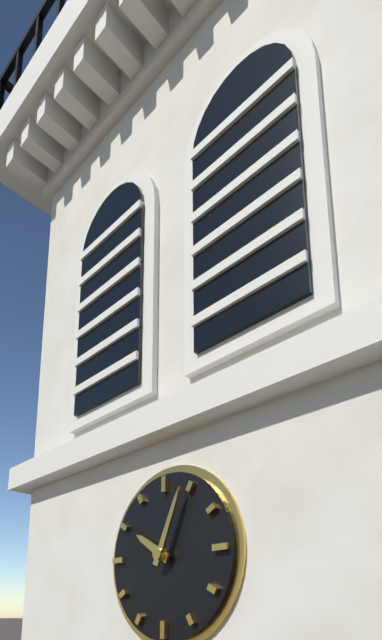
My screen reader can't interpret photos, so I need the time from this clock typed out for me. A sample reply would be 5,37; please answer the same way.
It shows 10,04
